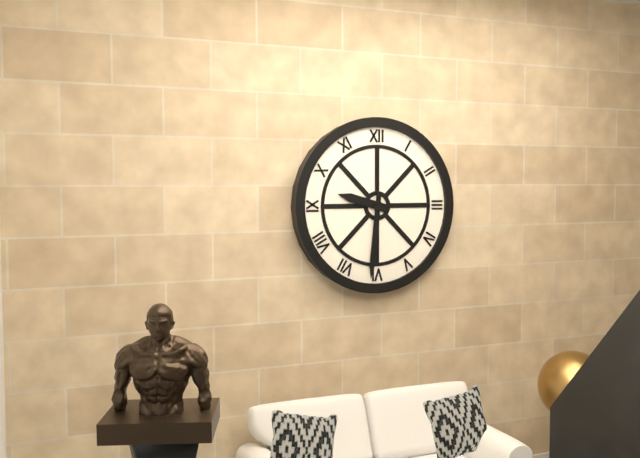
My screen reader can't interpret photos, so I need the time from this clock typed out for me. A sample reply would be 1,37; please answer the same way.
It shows 9,31
